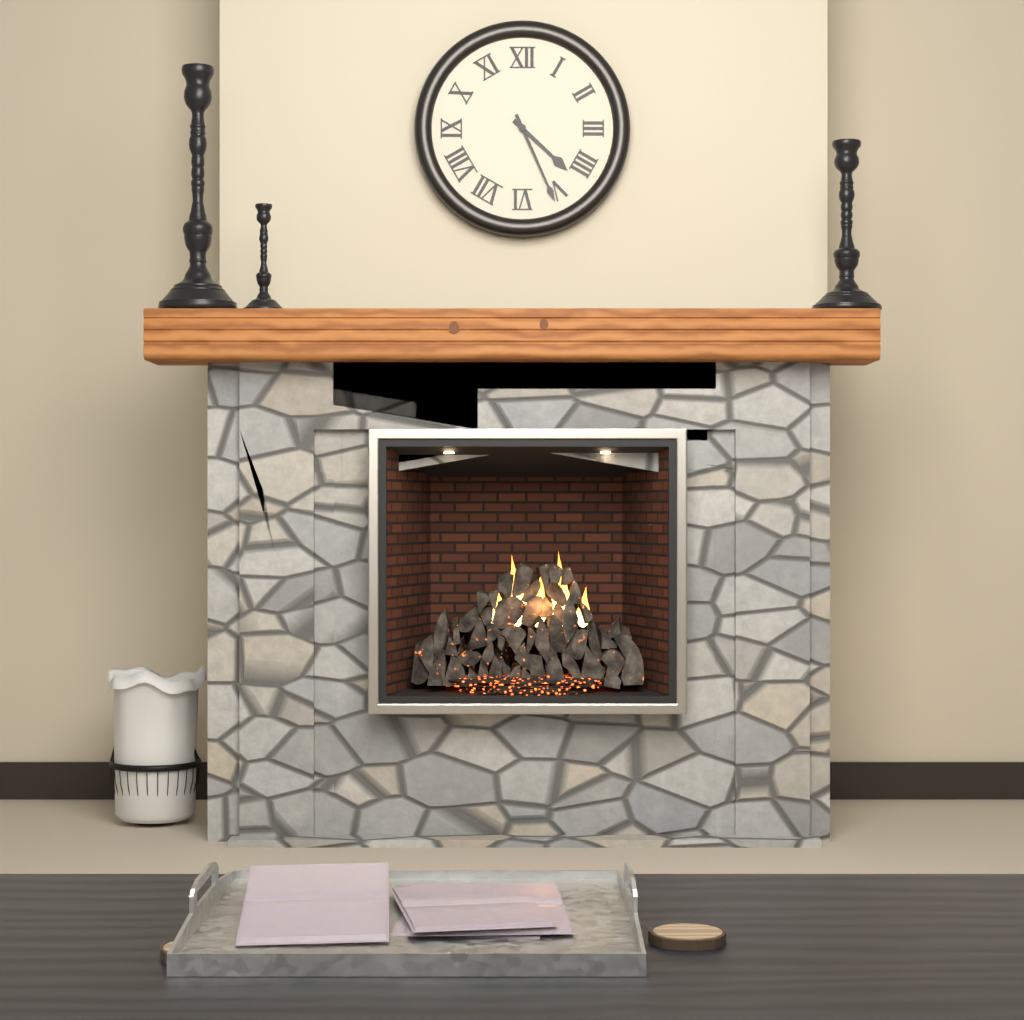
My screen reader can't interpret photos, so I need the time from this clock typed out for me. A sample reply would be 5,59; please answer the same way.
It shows 4,26
